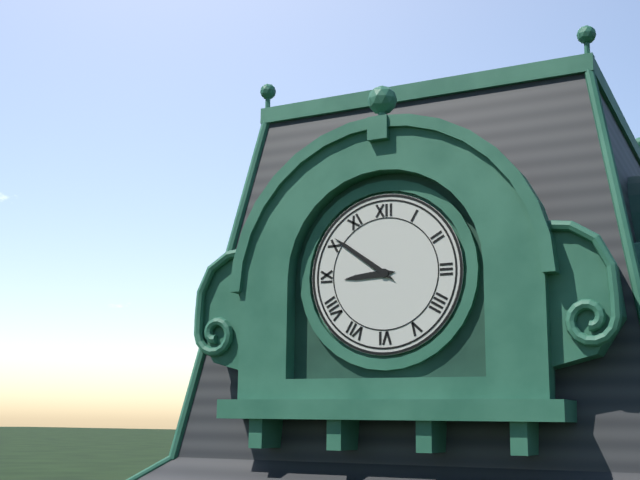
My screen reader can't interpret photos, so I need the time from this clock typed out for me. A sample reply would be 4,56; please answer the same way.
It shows 8,51
